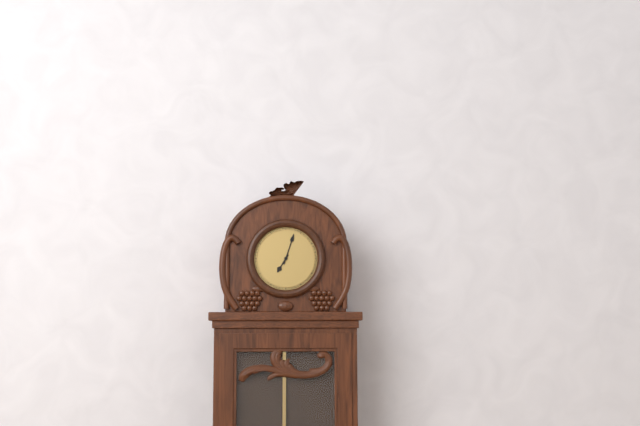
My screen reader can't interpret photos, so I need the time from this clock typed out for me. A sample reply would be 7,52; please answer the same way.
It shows 7,03
